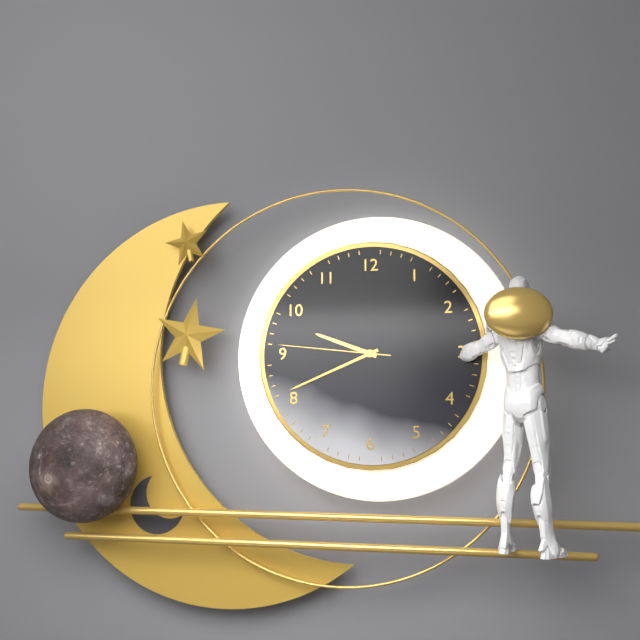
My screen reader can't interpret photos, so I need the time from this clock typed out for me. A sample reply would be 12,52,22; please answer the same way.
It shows 9,41,46
